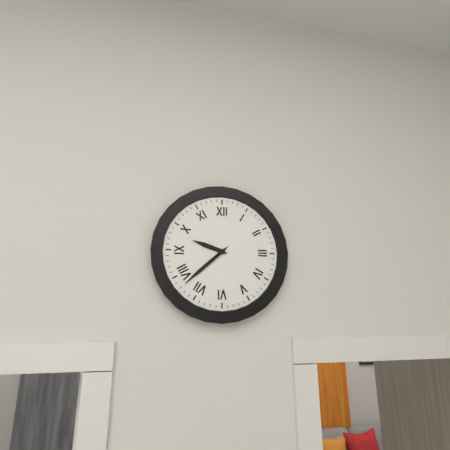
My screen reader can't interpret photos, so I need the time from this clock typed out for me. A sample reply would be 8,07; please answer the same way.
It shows 9,38
